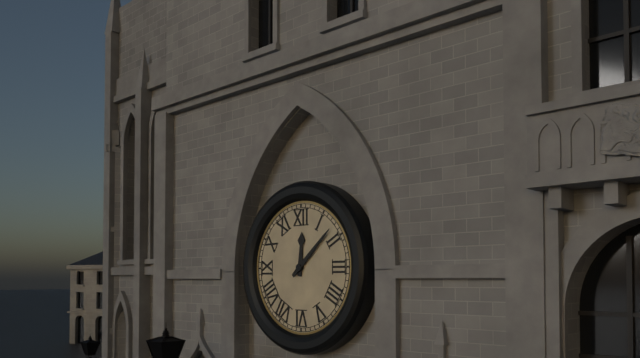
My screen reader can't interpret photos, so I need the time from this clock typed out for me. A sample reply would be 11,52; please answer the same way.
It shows 12,08
